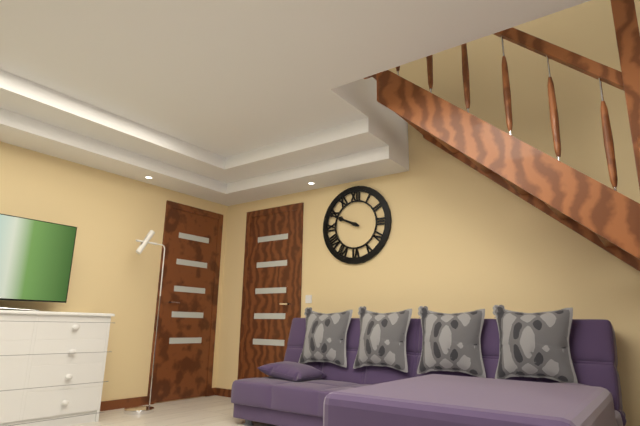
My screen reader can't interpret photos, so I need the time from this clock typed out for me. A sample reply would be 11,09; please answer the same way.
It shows 9,49
